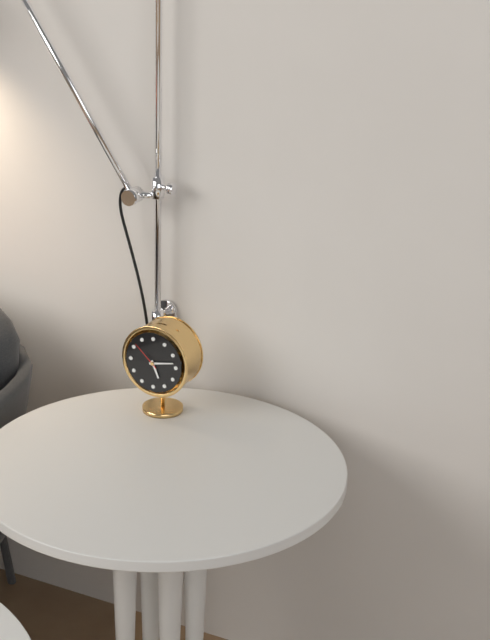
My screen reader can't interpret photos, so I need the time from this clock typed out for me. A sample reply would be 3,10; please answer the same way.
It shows 5,13
